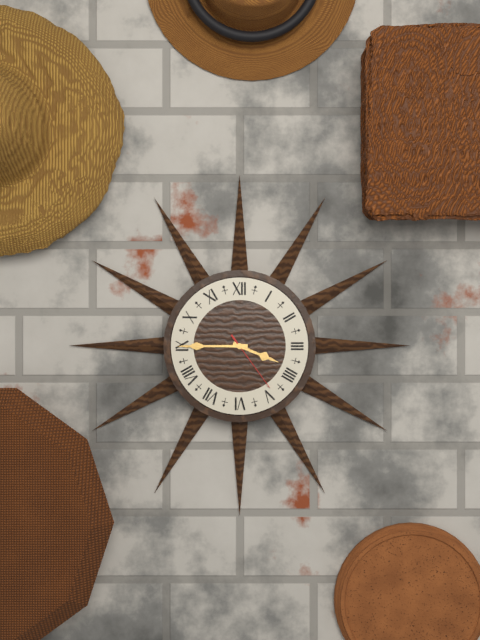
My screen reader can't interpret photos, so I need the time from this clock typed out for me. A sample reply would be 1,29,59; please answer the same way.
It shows 3,45,24
